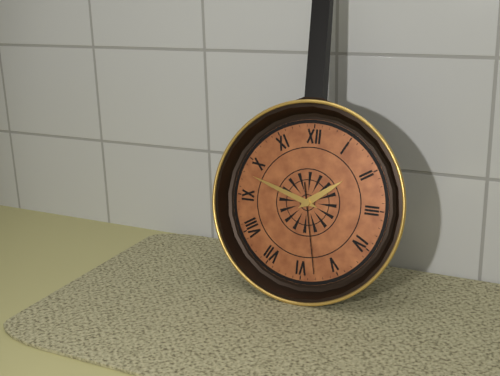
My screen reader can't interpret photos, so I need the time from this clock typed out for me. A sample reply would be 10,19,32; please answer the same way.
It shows 1,48,28
